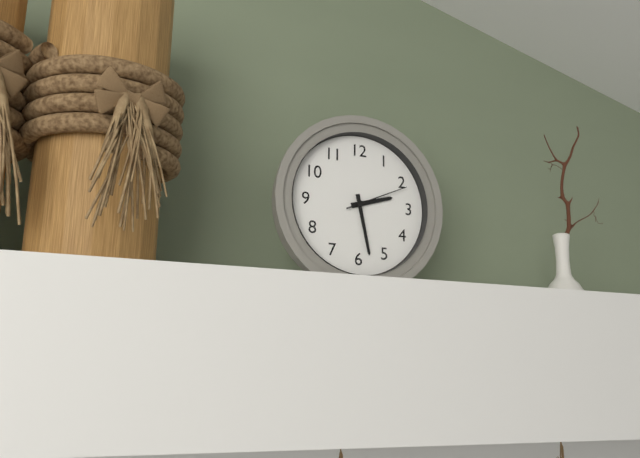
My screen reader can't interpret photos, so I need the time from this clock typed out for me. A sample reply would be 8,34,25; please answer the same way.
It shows 2,28,11
